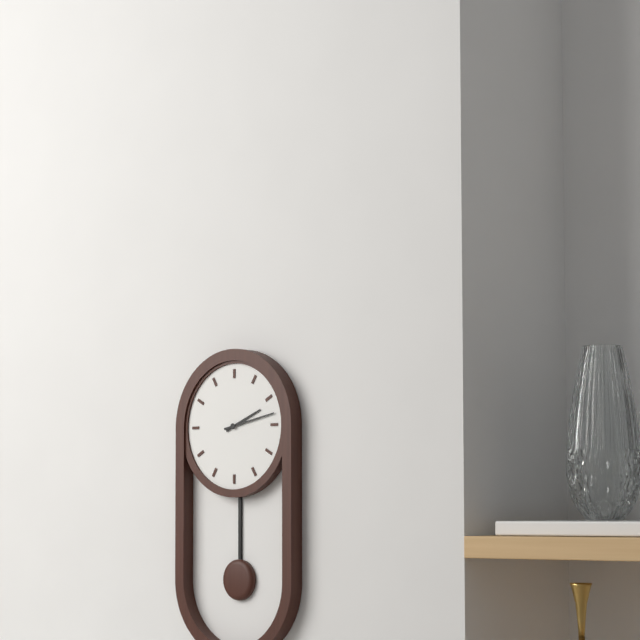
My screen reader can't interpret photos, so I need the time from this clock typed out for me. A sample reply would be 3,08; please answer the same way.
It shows 2,13
